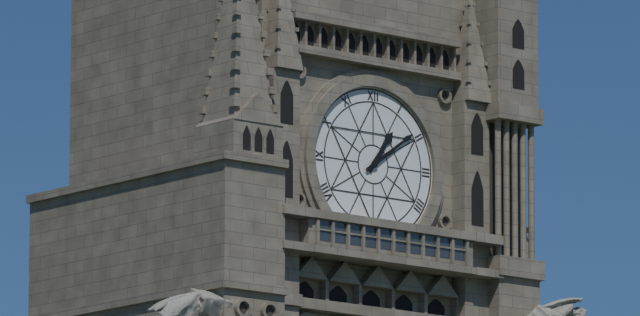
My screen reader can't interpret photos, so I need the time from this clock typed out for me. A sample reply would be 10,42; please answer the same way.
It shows 1,09
